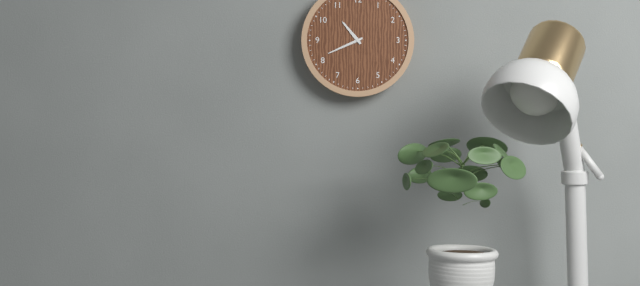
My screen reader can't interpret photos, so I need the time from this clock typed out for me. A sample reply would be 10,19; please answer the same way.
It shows 10,41
